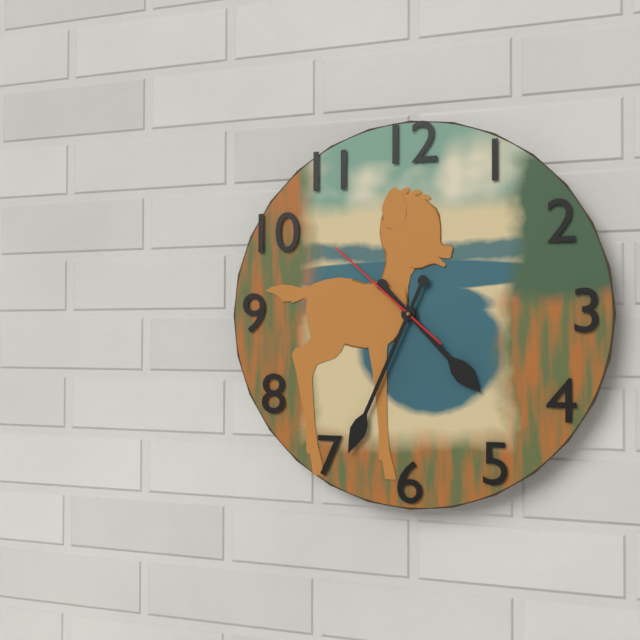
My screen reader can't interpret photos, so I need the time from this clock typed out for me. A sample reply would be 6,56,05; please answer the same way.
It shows 4,34,52
